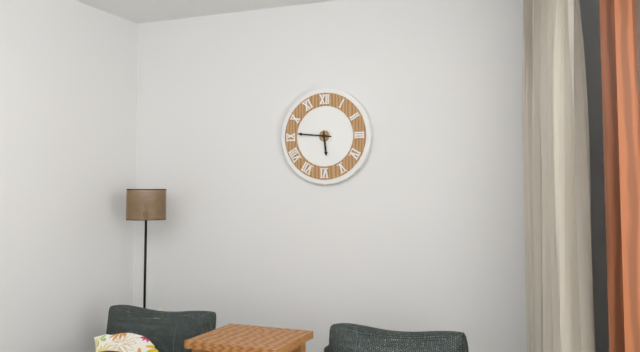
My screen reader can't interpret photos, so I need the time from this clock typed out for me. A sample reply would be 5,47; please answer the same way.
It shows 5,46
